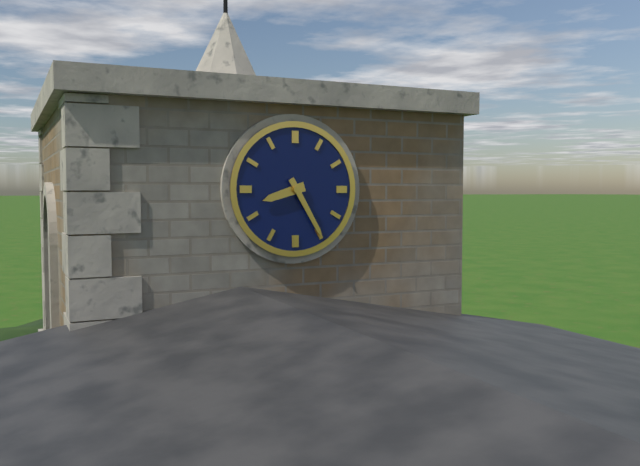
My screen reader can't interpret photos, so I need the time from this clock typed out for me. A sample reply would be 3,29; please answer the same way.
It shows 8,25
